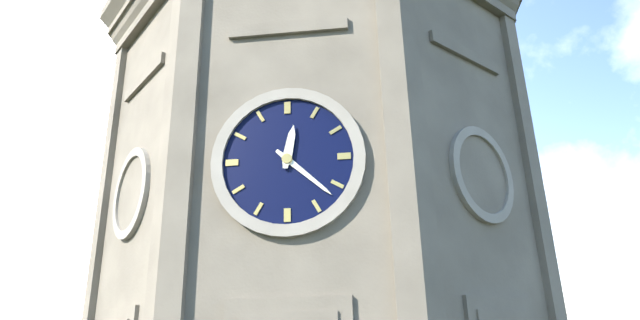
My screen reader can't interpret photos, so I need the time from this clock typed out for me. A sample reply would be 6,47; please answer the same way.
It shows 12,22
